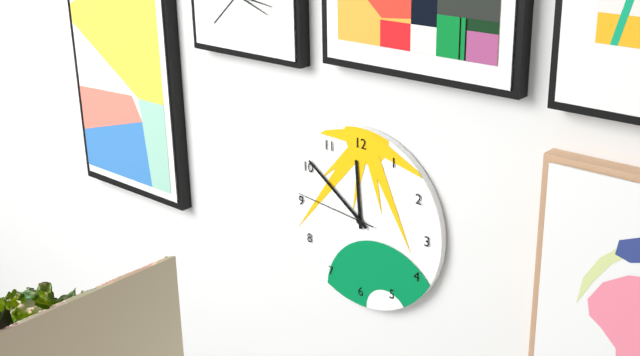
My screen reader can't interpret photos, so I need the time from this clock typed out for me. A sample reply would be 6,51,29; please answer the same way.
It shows 11,51,46
